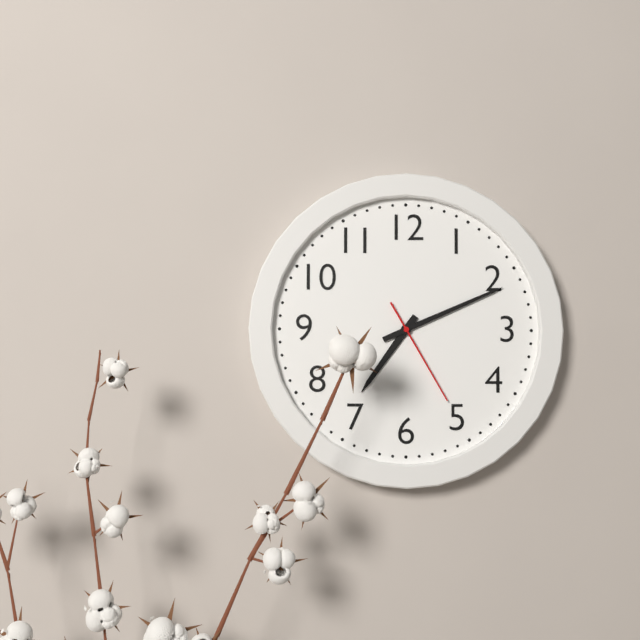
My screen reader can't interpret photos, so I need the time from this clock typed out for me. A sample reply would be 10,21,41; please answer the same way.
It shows 7,11,25
